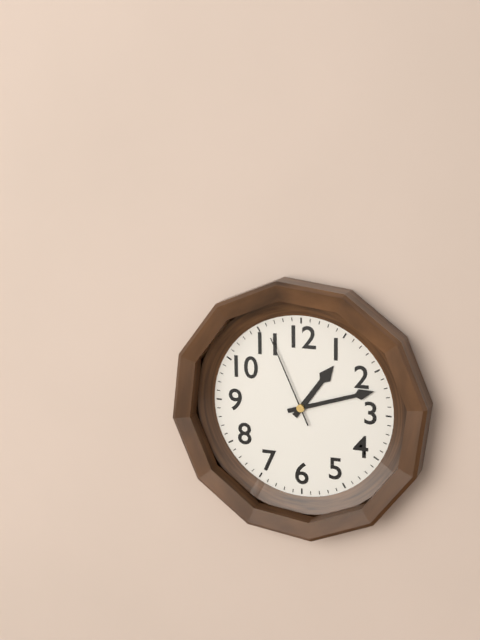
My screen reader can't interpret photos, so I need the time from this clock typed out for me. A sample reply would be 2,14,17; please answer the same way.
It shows 1,12,56
